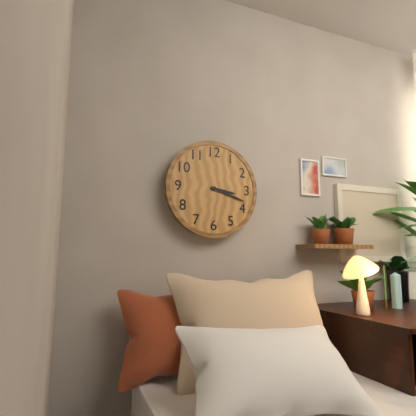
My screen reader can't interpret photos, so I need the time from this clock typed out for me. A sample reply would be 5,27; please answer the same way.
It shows 3,18
